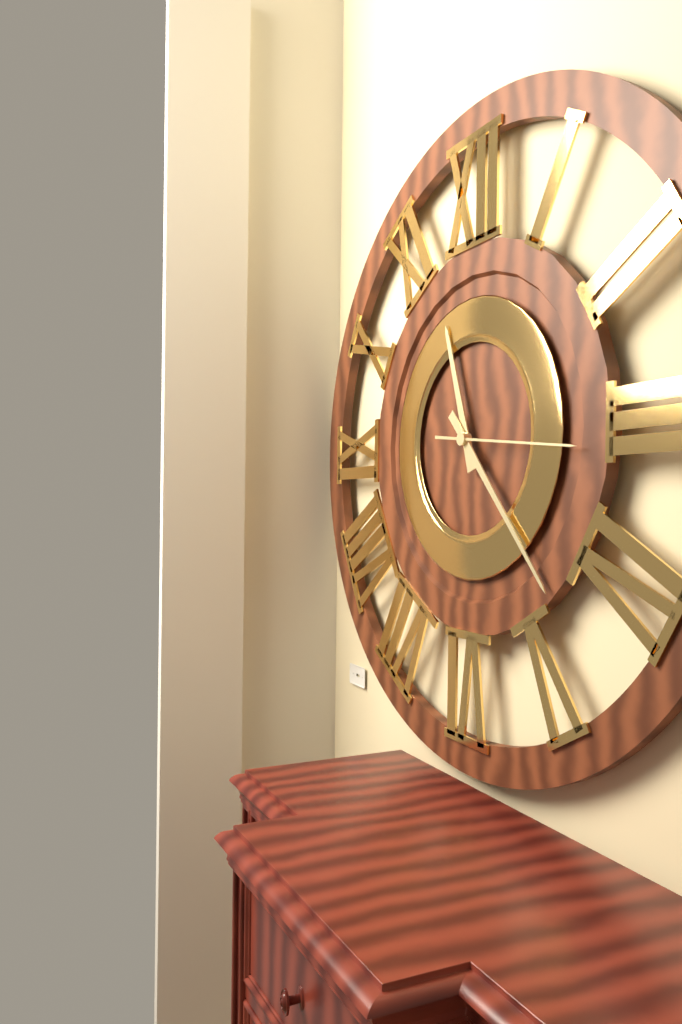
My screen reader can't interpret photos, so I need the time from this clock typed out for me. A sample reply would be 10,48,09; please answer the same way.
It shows 11,23,16
